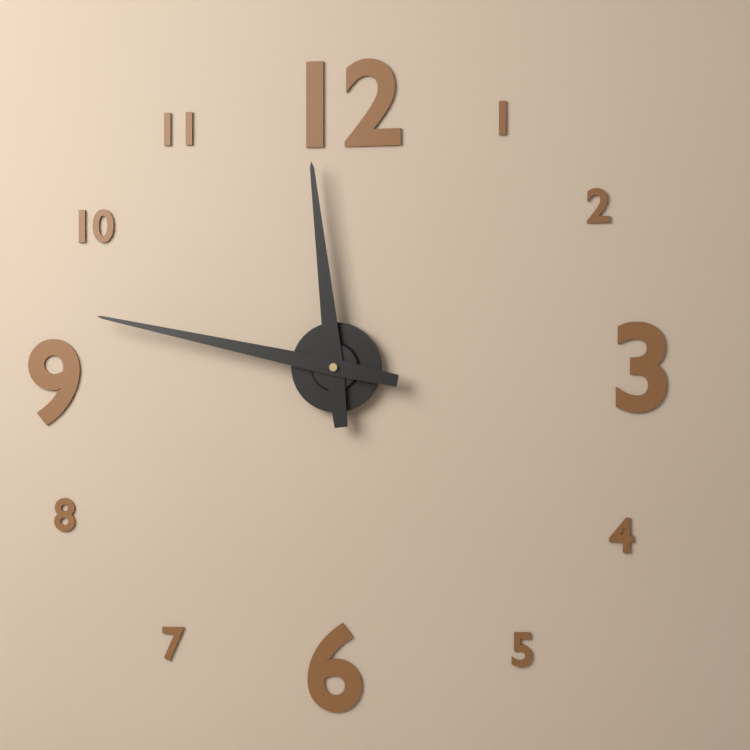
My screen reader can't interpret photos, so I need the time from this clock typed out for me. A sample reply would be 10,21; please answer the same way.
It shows 11,47
